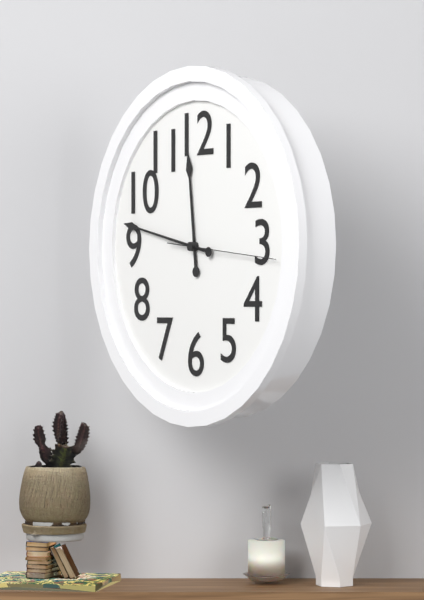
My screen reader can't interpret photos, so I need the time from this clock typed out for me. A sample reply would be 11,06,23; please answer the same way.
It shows 11,47,16
